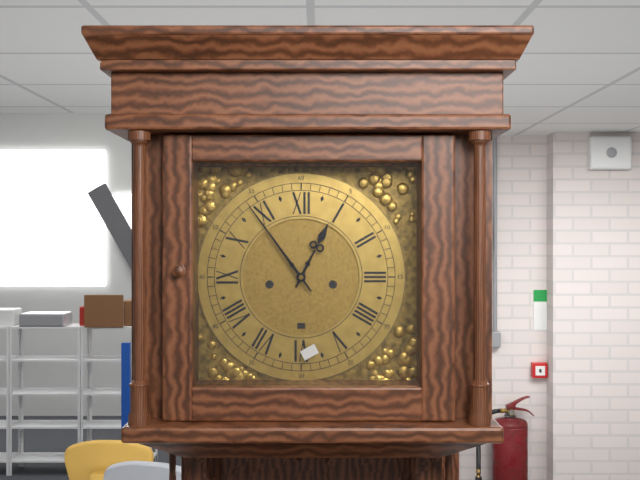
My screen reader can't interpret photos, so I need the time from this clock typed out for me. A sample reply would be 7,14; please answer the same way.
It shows 12,54
